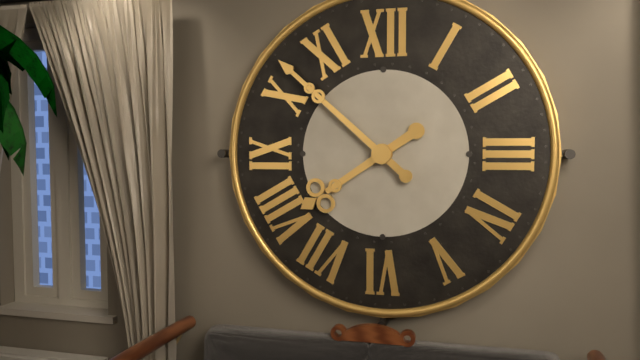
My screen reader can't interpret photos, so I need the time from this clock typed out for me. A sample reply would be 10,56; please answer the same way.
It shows 7,52
